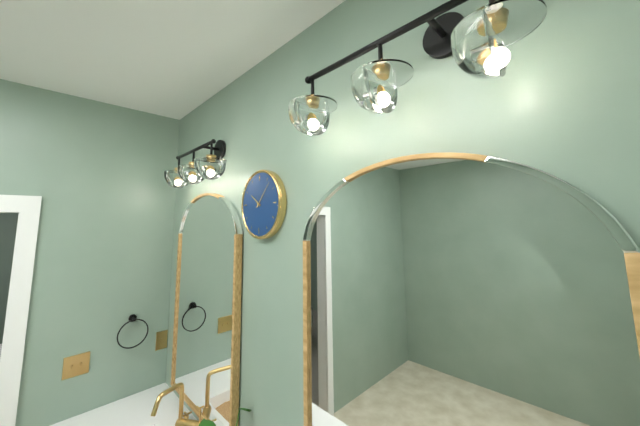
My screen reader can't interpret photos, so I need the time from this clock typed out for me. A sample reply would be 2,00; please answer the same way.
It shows 10,07
